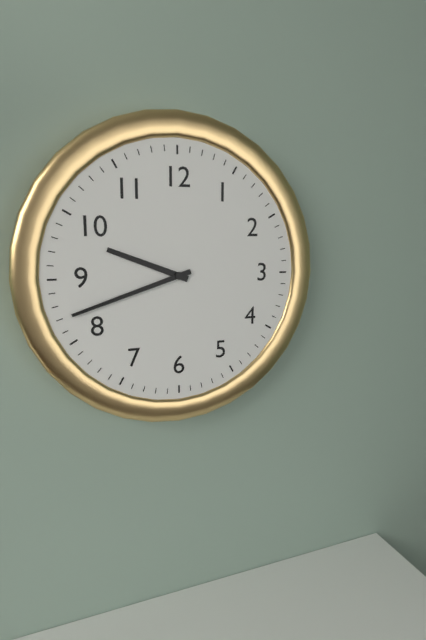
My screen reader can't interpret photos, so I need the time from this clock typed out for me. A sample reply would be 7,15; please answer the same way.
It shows 9,42
